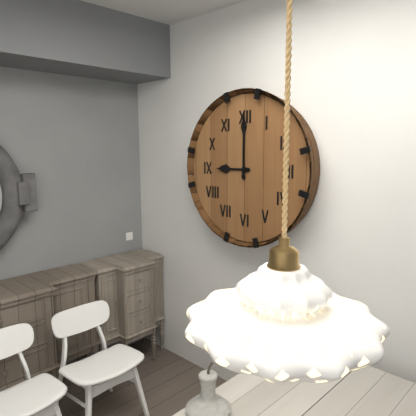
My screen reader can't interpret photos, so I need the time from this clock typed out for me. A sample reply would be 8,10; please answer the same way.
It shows 9,00
